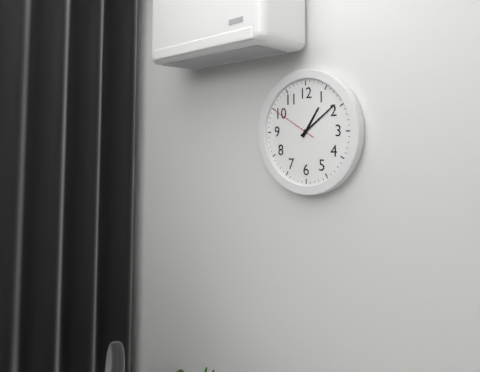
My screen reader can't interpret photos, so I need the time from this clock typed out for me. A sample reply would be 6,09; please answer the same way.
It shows 1,09
